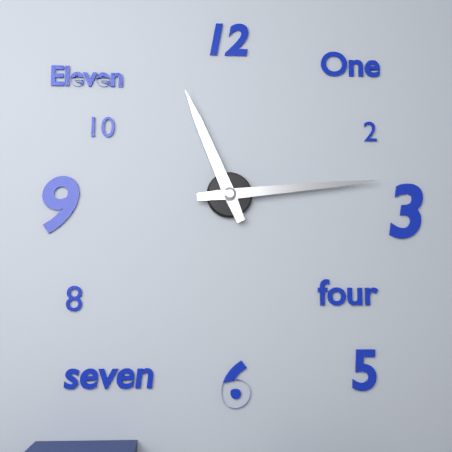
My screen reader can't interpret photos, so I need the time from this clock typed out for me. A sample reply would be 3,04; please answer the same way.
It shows 11,14
